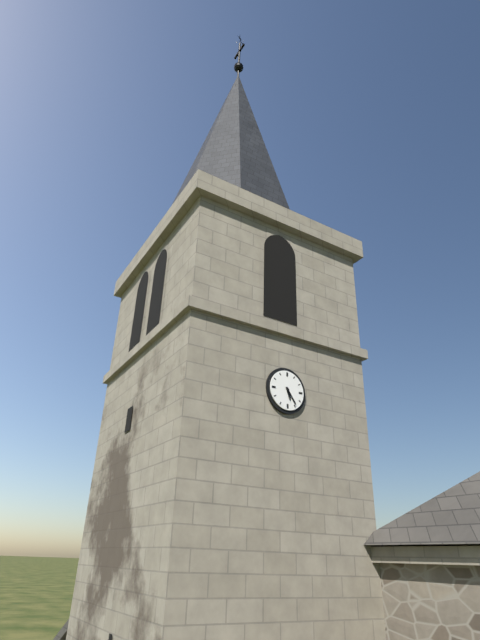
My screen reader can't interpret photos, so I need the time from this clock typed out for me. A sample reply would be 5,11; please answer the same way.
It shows 5,24
